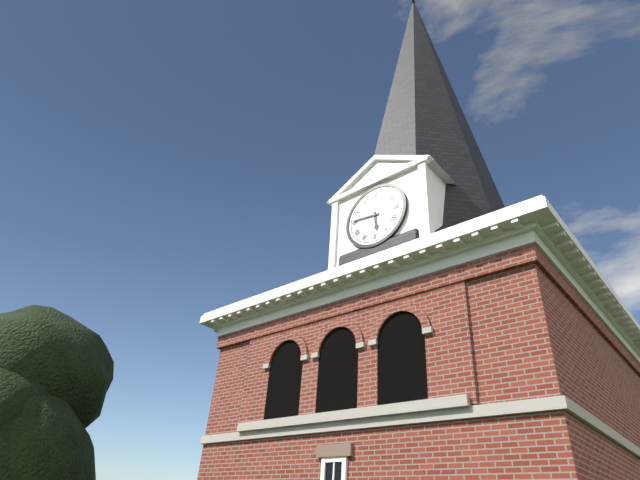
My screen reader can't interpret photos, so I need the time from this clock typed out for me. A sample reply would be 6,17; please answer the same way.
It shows 5,46
